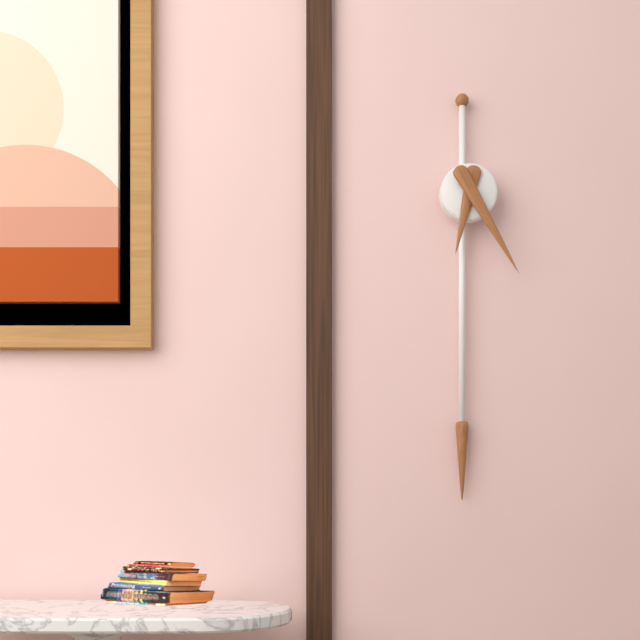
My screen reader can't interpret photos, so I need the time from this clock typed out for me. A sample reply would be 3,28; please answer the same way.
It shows 6,25
